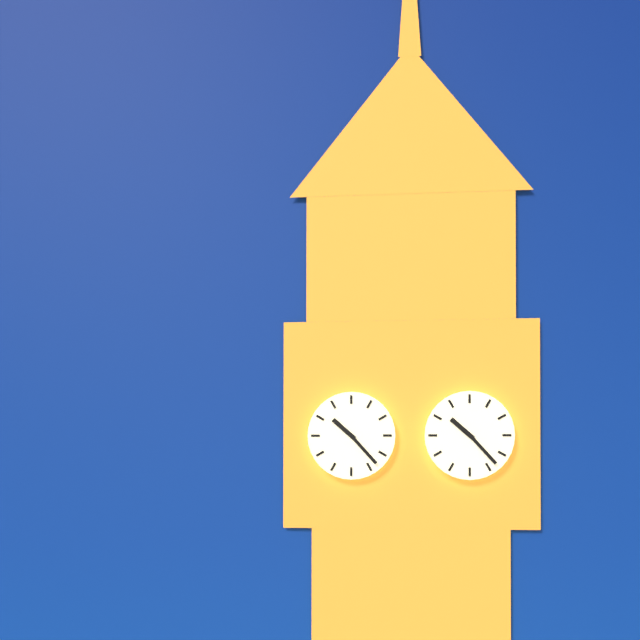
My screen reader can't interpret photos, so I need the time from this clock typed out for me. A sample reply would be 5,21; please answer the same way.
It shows 10,23
